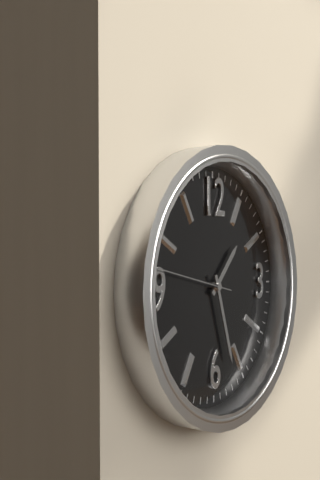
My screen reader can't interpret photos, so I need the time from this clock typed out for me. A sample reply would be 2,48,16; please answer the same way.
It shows 1,27,47
